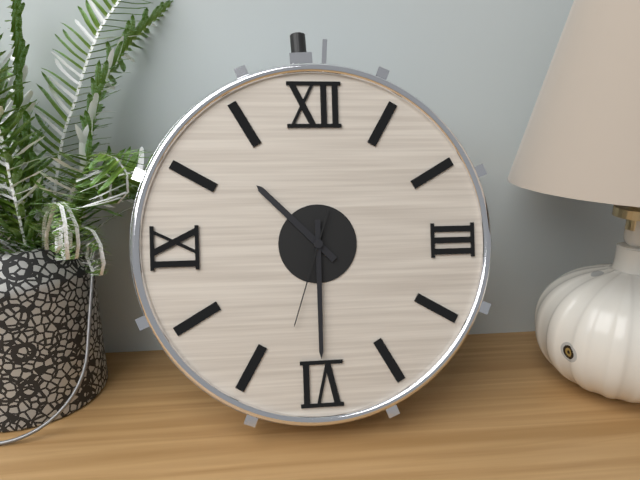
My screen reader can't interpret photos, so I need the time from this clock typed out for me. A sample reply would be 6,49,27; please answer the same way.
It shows 10,30,33
